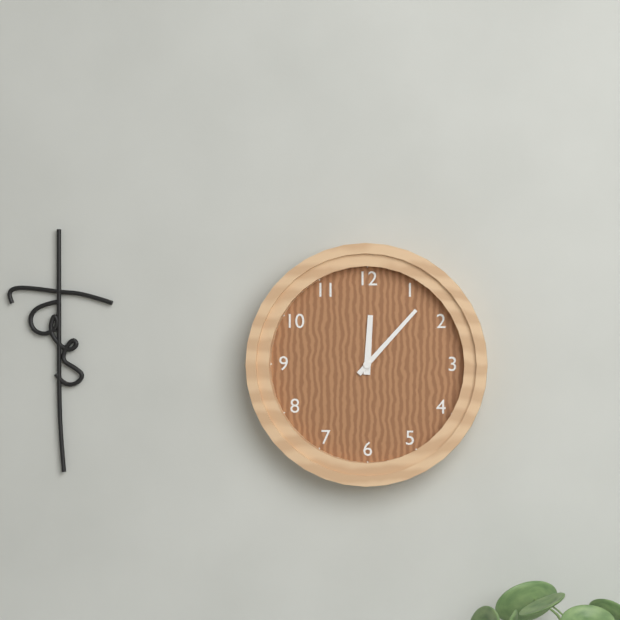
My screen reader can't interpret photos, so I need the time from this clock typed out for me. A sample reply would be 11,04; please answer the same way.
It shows 12,07
